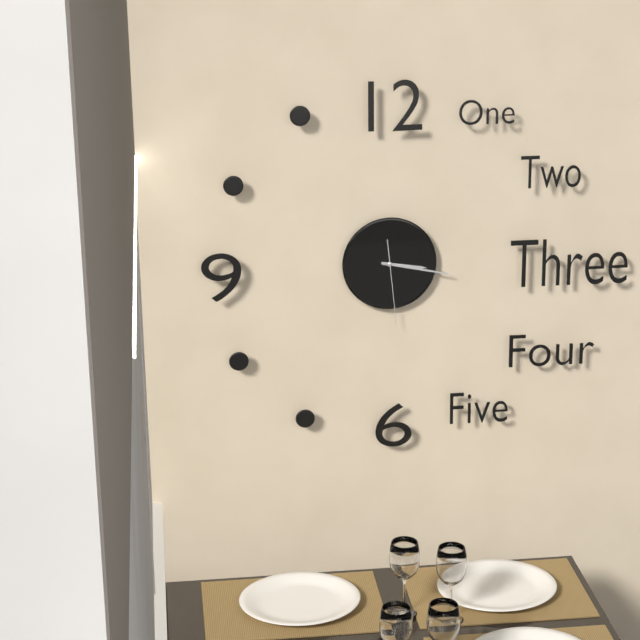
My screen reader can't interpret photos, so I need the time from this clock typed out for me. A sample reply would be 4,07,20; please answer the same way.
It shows 3,17,29
